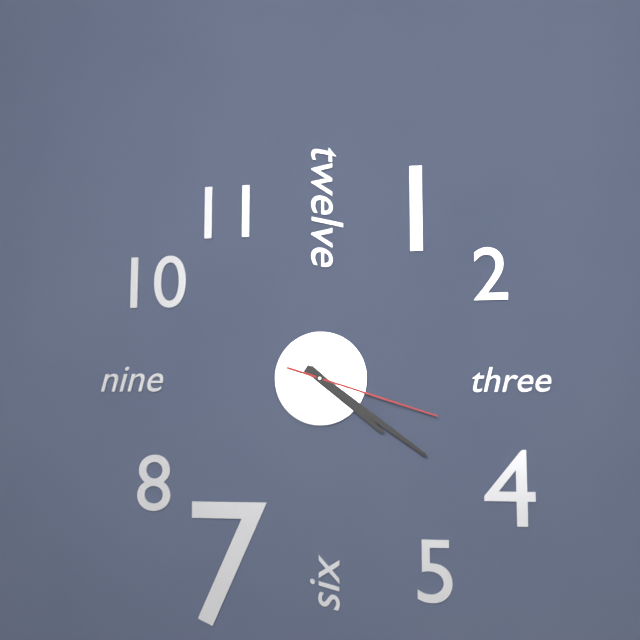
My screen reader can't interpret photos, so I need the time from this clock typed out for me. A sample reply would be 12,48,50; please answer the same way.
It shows 4,21,18
